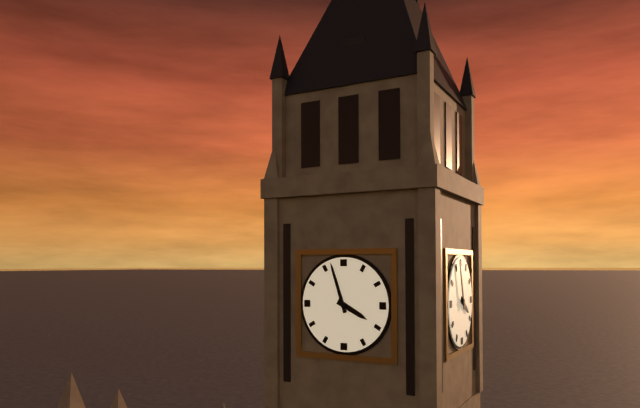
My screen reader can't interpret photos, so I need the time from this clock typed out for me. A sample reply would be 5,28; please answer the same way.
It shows 3,57
